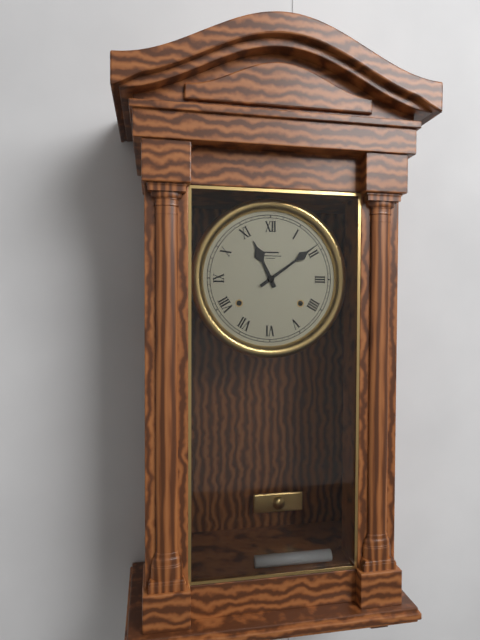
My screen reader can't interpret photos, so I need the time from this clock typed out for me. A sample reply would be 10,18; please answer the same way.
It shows 11,09
